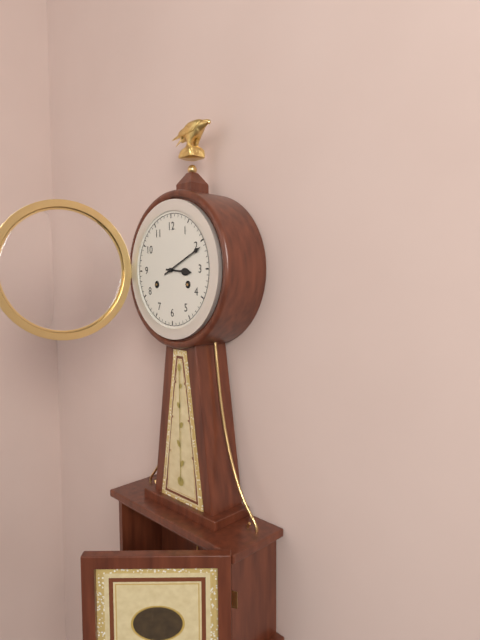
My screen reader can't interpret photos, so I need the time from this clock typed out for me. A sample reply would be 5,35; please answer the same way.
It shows 3,11
